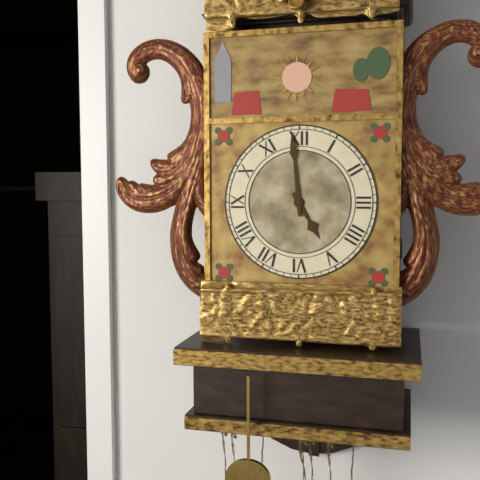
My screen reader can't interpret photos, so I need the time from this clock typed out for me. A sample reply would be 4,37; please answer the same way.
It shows 4,59
